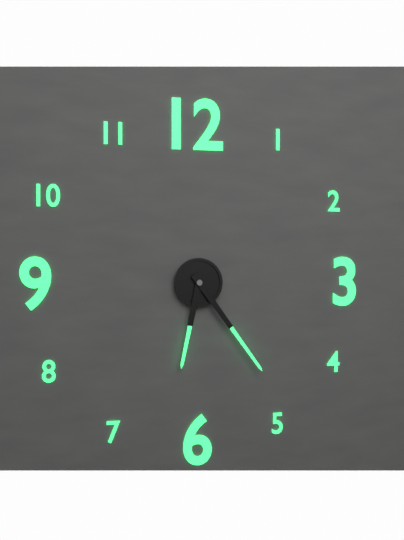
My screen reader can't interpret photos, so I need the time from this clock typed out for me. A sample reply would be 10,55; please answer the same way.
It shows 6,24
